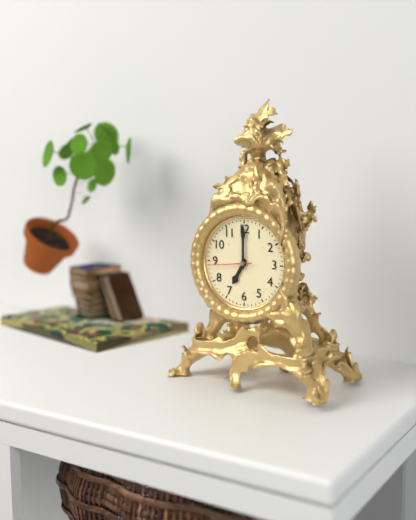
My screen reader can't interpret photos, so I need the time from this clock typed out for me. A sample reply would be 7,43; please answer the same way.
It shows 7,00
